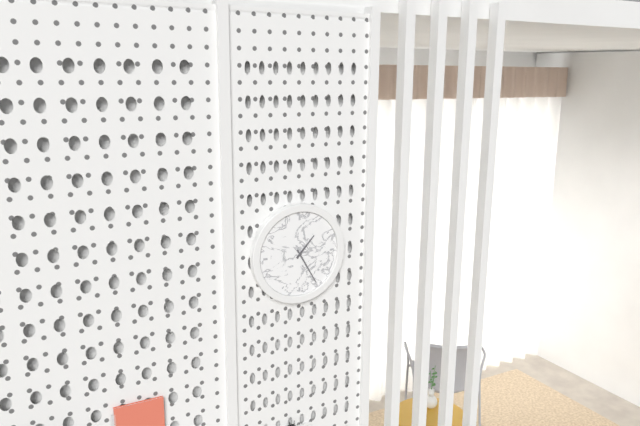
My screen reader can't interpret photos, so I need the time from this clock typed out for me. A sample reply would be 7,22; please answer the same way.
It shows 1,25
